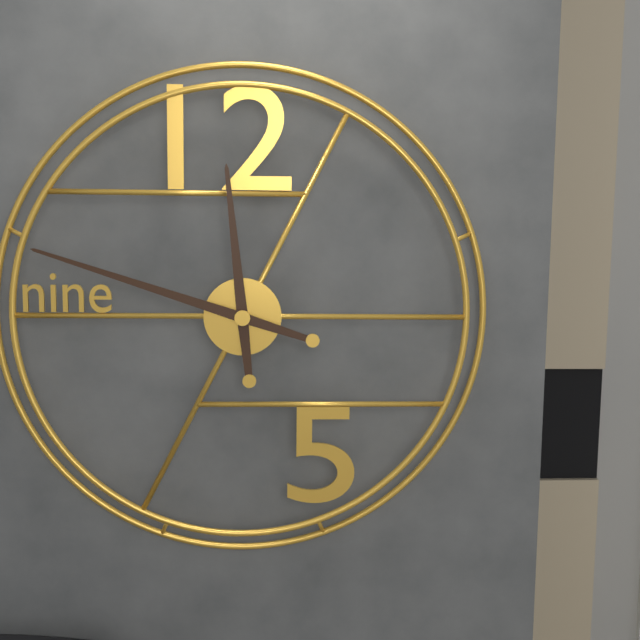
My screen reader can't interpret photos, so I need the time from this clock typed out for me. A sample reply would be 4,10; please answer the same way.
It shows 11,48
